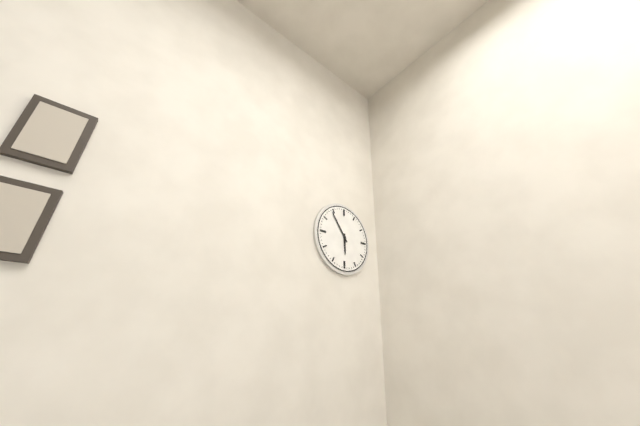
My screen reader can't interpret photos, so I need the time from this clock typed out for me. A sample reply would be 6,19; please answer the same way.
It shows 5,54
